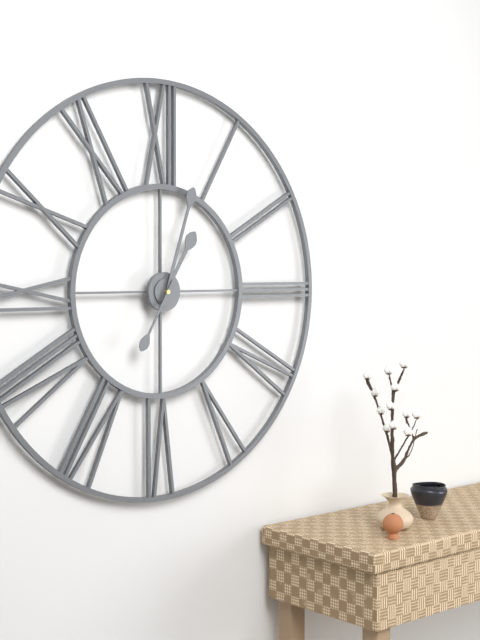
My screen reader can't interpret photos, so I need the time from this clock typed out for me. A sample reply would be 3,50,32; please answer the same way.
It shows 1,03,35
